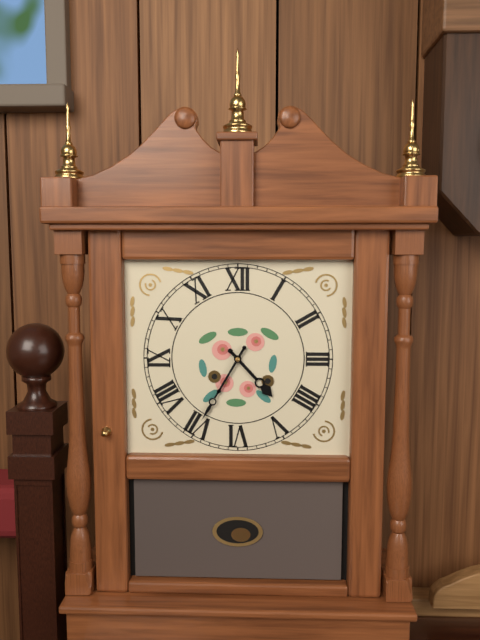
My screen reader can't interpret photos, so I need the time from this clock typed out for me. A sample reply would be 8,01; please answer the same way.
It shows 4,35
